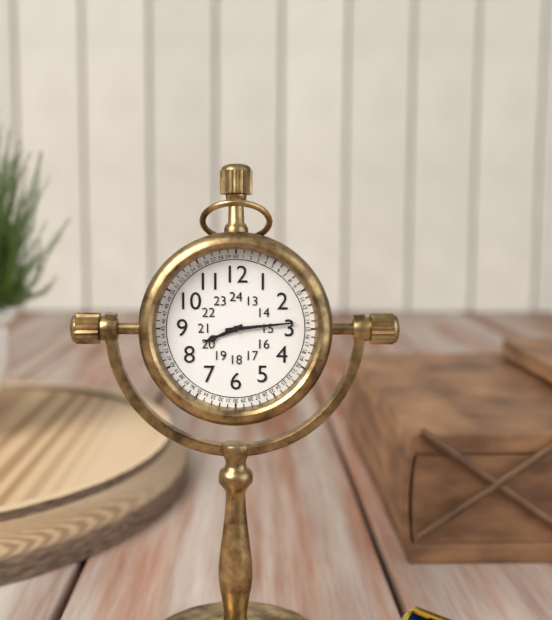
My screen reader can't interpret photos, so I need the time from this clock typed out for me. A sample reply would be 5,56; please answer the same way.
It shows 8,14
